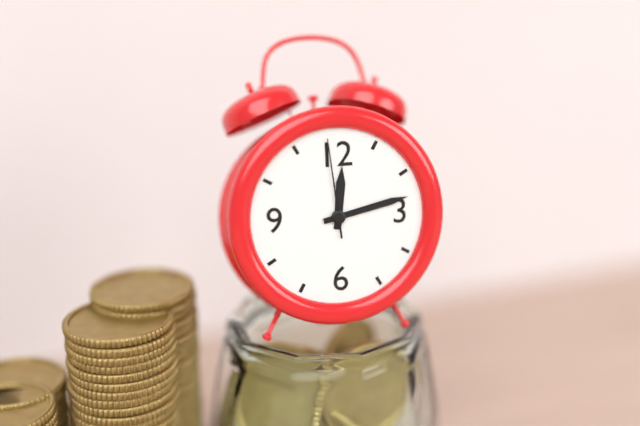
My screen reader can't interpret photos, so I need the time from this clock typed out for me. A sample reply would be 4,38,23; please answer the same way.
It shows 12,13,59
